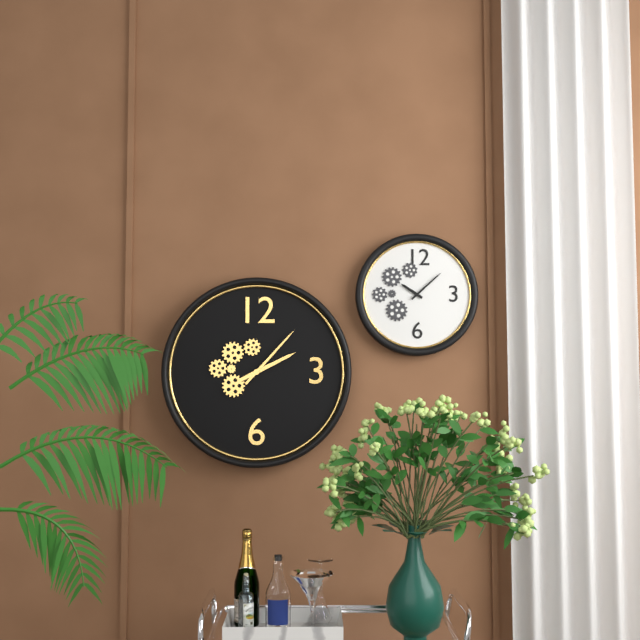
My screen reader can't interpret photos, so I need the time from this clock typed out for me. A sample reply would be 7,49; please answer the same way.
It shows 2,07
